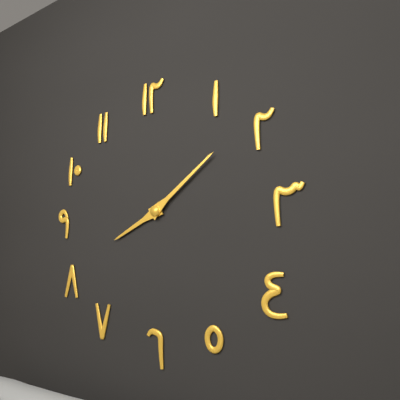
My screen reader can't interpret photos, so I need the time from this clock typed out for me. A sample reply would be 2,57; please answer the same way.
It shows 8,09
